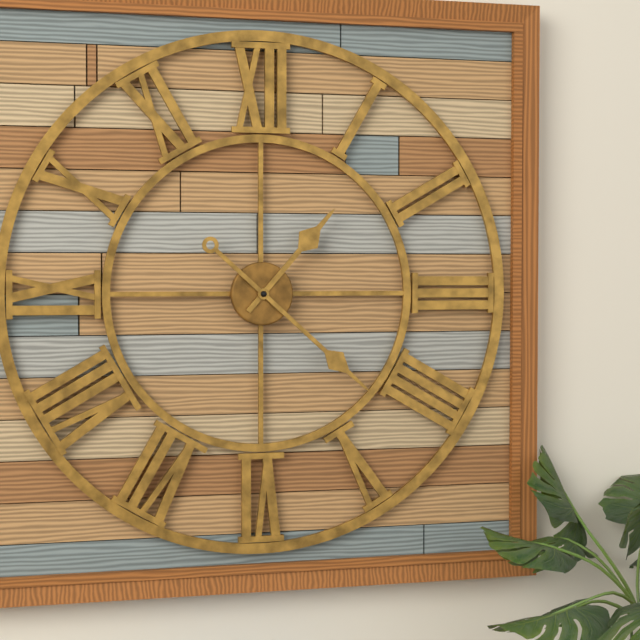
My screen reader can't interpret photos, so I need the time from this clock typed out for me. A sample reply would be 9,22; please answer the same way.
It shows 1,22
